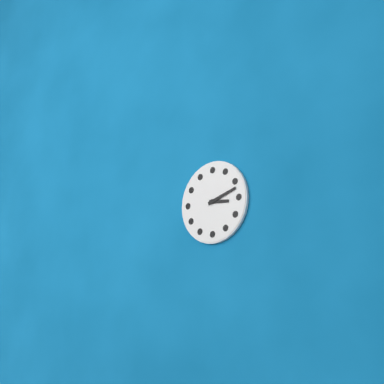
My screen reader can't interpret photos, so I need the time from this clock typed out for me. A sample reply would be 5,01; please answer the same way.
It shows 3,12
